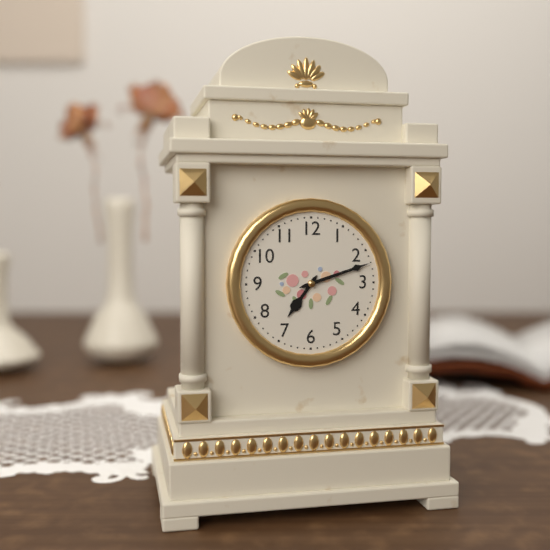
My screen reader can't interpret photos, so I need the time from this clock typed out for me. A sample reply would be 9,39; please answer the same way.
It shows 7,12
